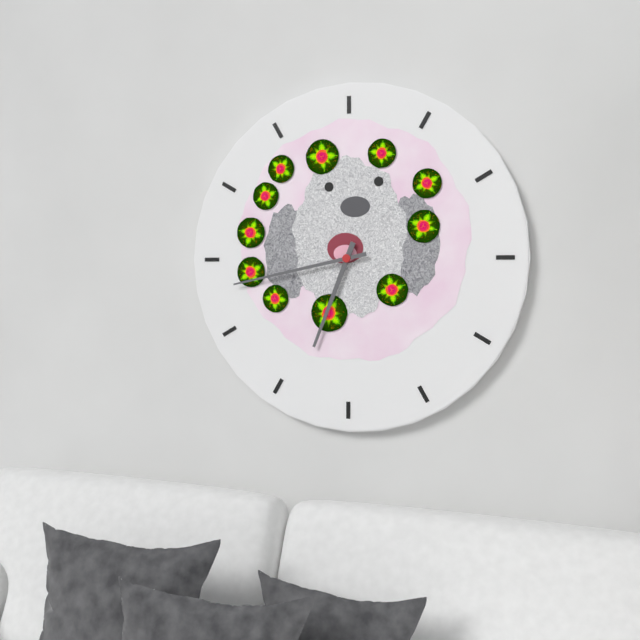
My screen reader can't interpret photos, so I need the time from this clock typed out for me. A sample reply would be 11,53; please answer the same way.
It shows 6,43
